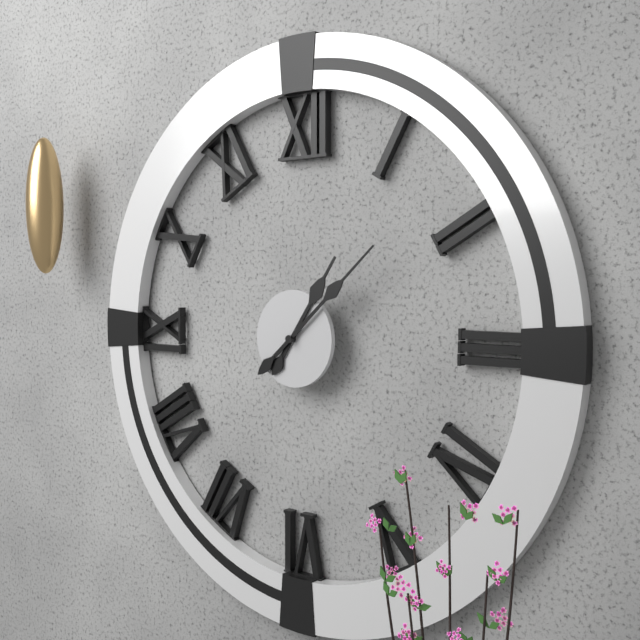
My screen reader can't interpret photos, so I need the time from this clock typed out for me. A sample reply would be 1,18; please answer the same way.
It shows 1,08
